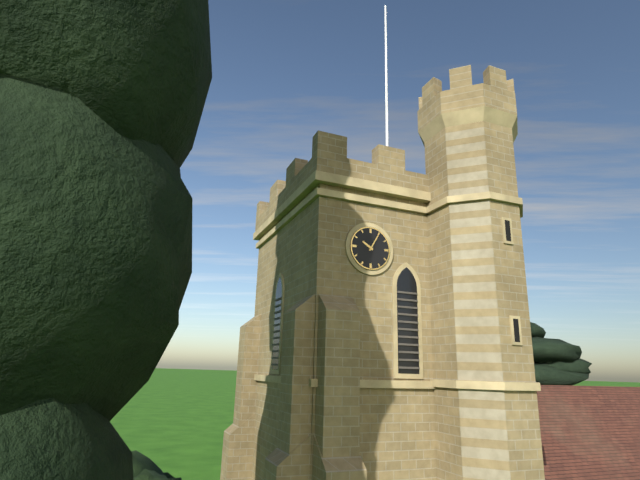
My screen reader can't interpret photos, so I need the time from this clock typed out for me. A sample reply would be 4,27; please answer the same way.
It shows 10,05
